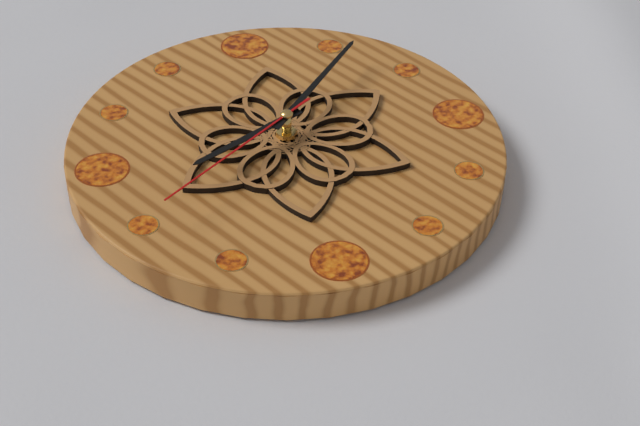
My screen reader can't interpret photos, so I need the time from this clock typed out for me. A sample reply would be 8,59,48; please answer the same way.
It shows 8,07,39
